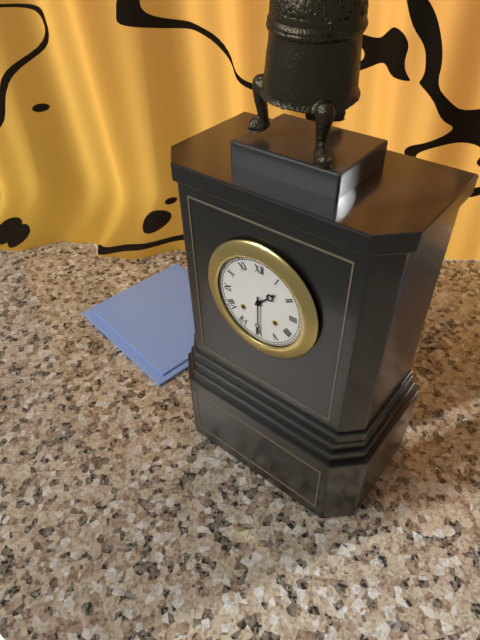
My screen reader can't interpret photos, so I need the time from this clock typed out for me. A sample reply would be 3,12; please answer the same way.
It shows 1,30
